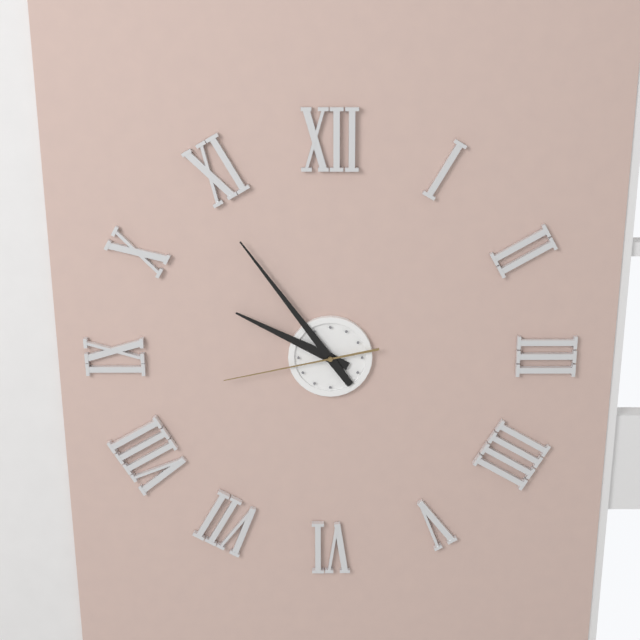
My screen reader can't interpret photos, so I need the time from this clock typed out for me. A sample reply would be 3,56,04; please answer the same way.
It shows 9,54,43
